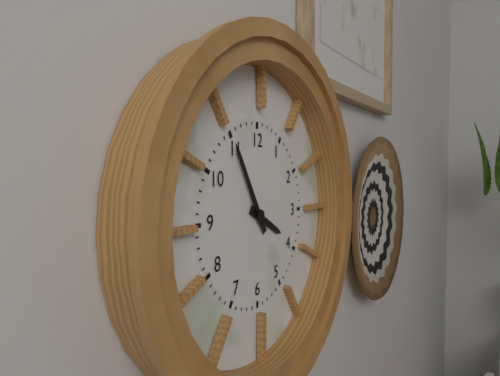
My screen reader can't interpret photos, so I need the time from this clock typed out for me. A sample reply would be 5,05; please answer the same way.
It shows 3,55
